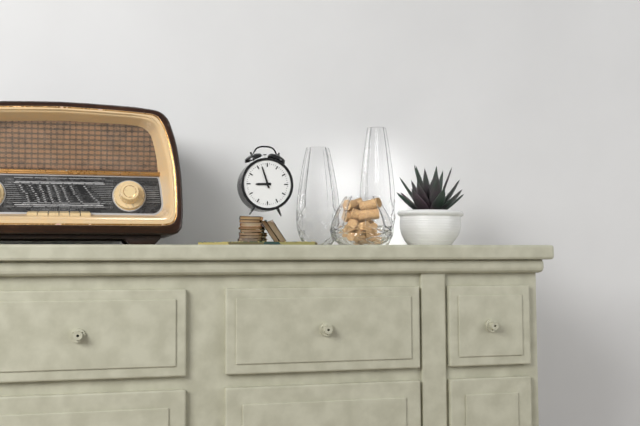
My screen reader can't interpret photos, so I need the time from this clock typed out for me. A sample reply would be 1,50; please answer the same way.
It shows 8,57
